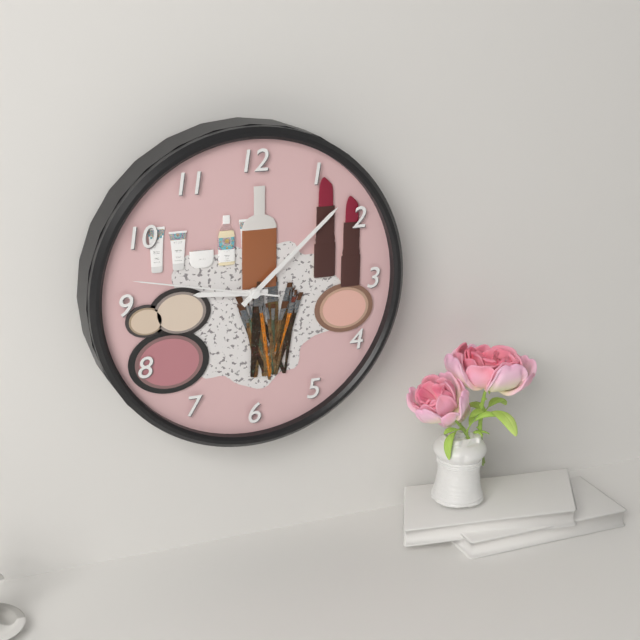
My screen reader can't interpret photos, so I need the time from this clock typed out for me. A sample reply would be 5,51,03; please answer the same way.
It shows 9,08,47
